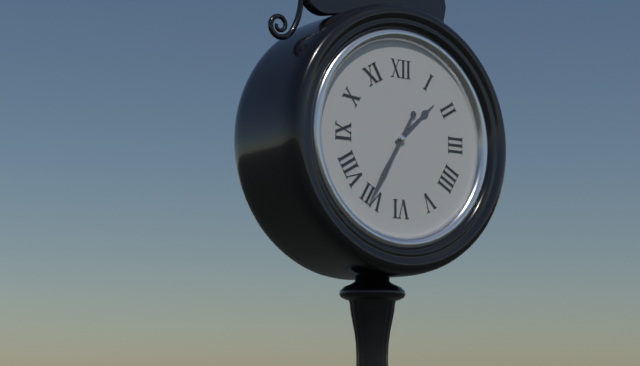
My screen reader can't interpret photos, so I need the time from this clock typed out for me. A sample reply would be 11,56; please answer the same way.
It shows 1,35
